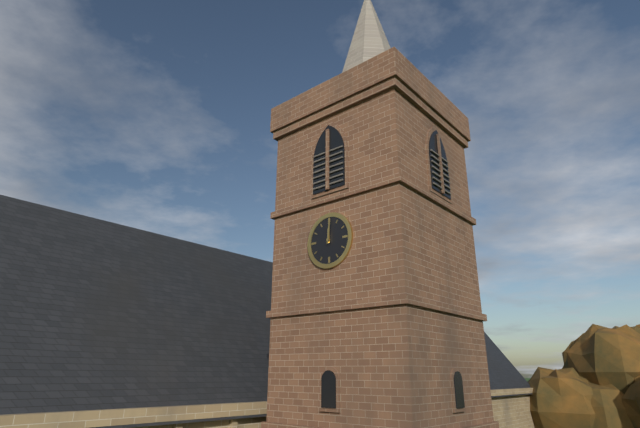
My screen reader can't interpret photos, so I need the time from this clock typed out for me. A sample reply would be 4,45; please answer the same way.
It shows 12,01
